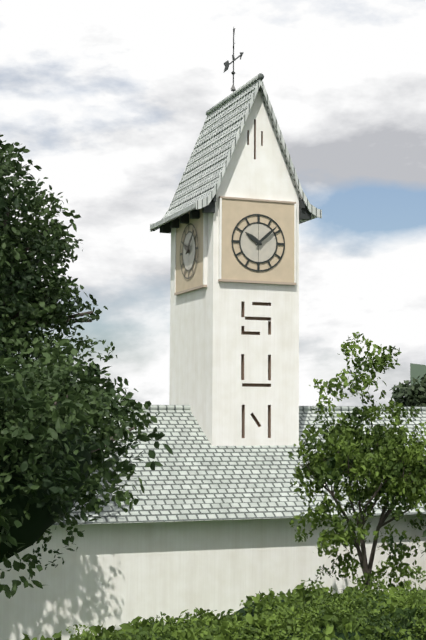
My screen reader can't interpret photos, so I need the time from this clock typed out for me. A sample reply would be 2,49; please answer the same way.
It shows 10,08
